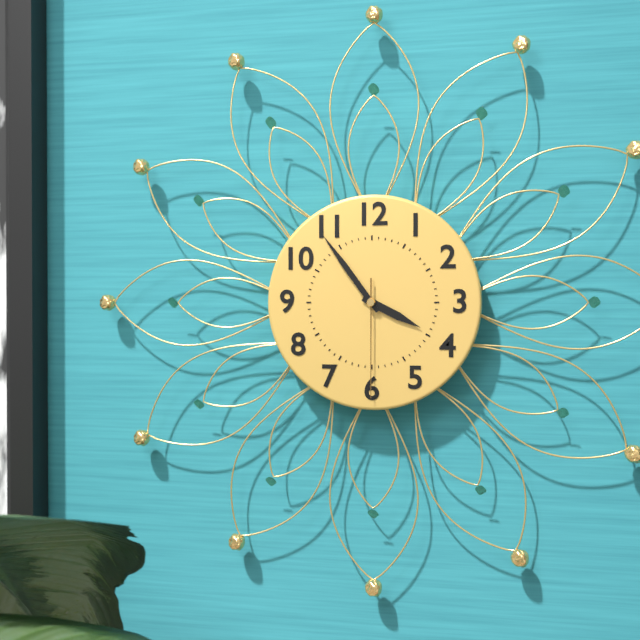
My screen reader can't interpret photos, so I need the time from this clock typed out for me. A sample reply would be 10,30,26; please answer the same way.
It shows 3,54,30
